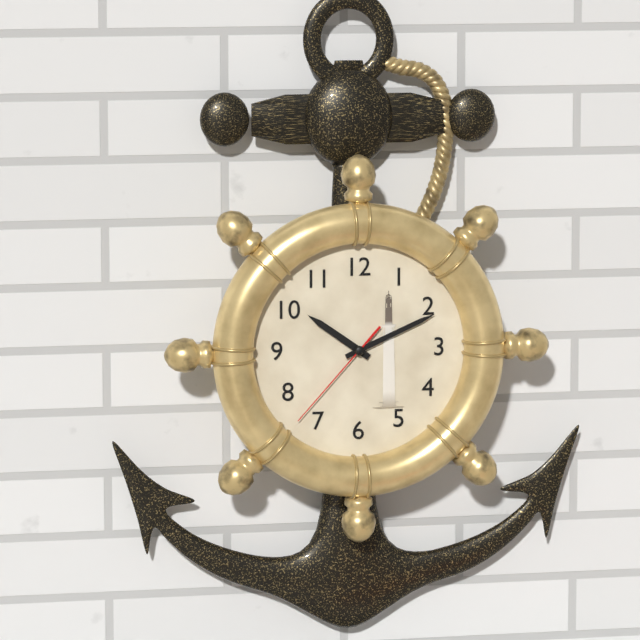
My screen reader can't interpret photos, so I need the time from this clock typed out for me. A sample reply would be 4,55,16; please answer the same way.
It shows 10,11,37
